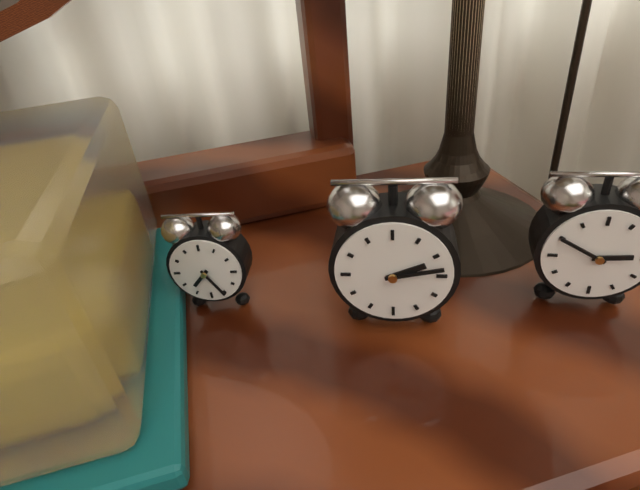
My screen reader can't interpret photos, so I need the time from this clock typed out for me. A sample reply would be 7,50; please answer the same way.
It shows 2,13
